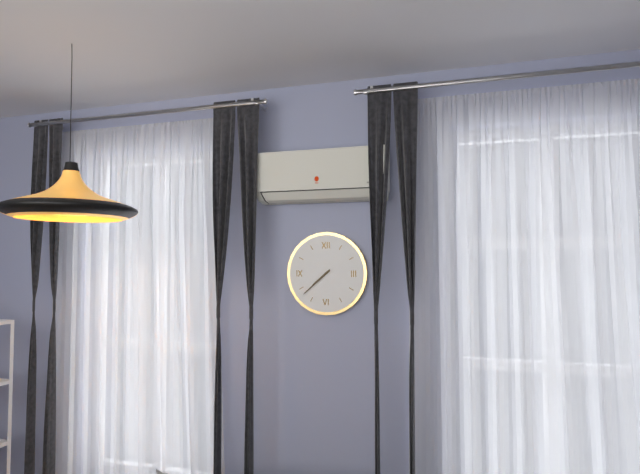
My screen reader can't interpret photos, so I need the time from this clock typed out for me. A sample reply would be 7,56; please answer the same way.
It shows 7,38
